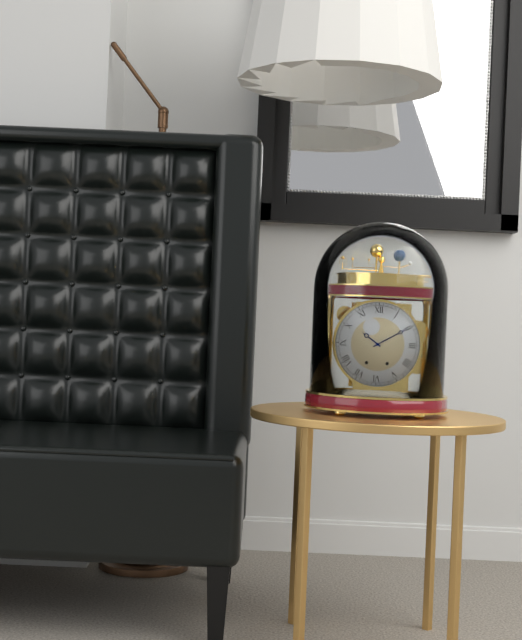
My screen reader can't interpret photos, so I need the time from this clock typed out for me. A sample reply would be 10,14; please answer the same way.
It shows 10,10
